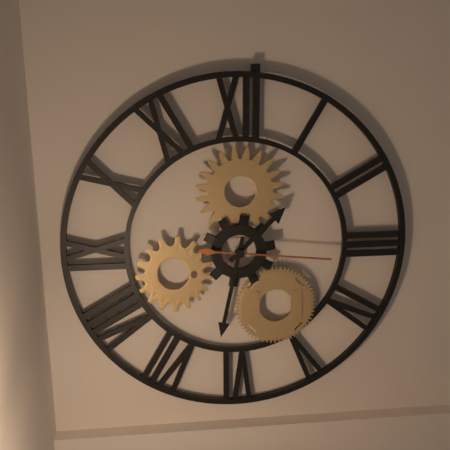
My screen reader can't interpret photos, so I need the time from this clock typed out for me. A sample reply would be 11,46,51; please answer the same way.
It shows 1,32,16
